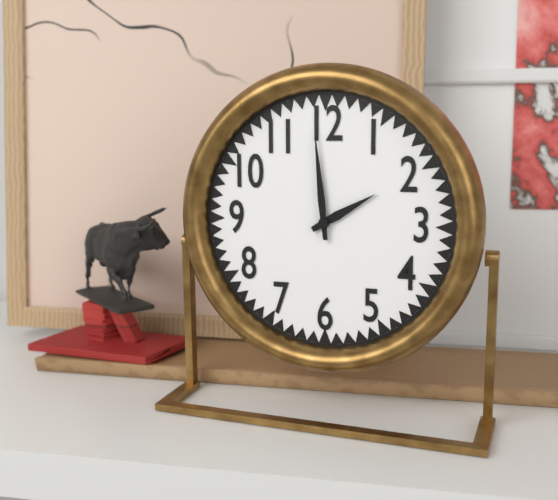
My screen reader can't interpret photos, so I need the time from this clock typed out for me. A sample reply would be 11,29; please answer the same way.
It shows 1,59
